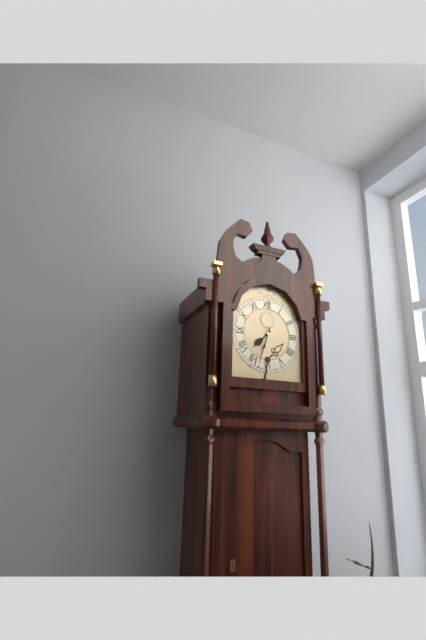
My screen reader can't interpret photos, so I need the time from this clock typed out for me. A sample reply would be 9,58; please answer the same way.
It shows 7,33
